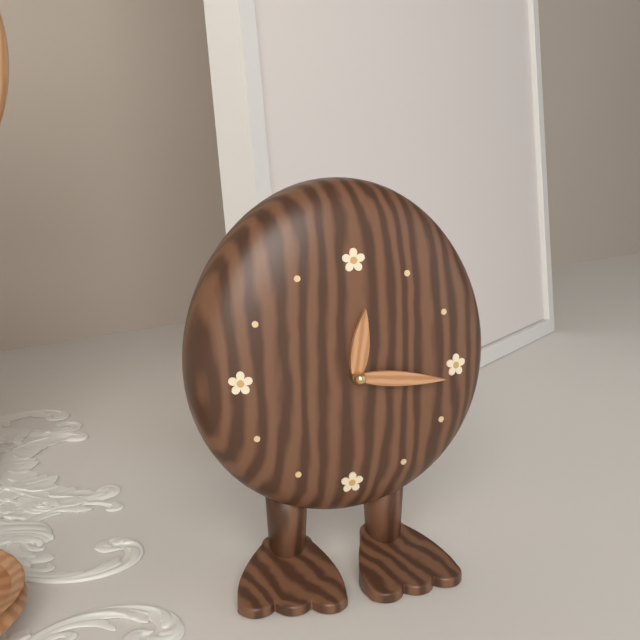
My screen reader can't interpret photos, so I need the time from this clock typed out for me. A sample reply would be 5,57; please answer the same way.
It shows 12,16
